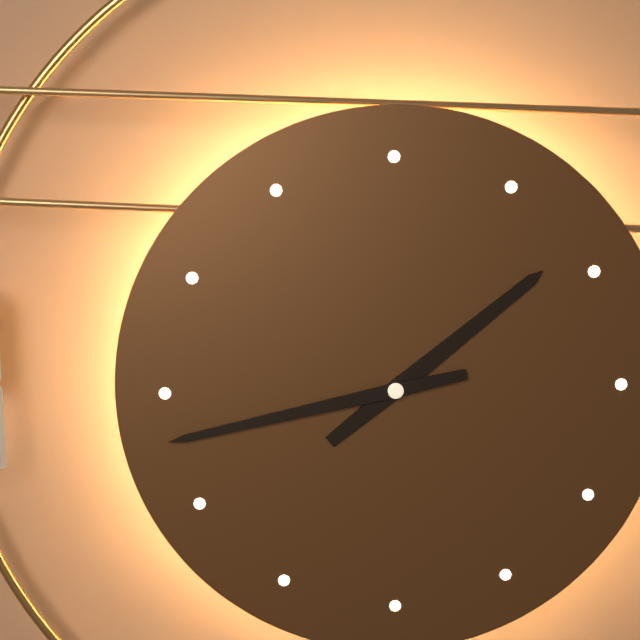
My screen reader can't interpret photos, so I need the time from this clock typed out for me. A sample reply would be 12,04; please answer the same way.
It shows 1,43
